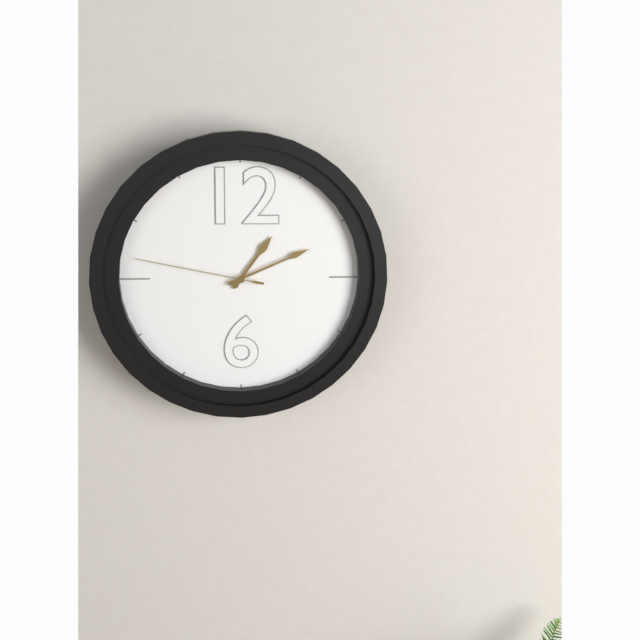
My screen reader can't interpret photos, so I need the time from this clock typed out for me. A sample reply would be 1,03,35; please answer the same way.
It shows 1,11,47
